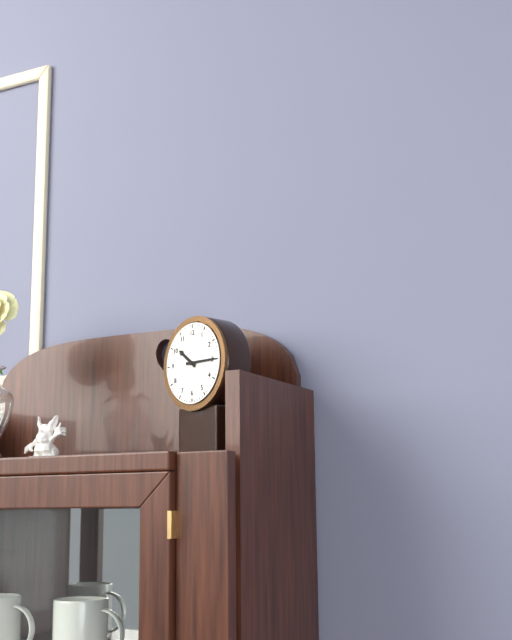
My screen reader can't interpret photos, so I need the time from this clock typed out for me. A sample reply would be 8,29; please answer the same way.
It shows 10,15
